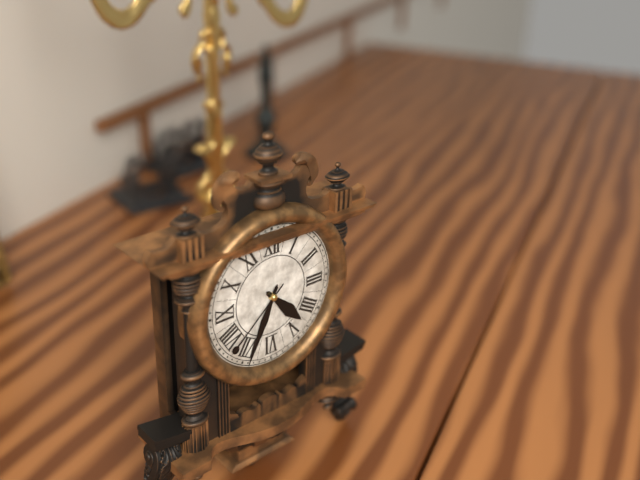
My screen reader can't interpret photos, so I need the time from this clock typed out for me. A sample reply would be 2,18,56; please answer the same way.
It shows 4,34,38
